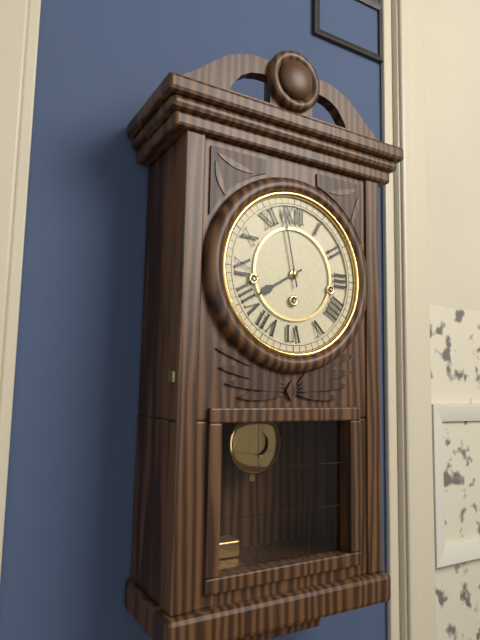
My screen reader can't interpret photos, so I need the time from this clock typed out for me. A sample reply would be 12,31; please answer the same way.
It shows 7,58
